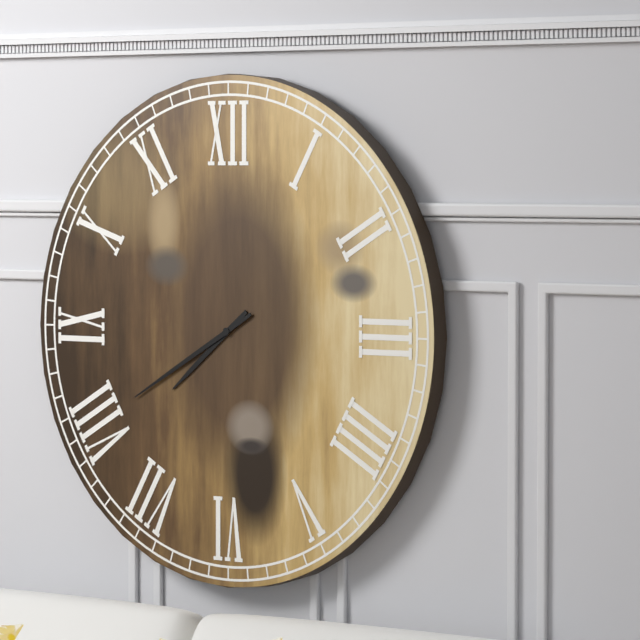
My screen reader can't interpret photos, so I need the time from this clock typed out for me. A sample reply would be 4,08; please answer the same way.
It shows 7,40
